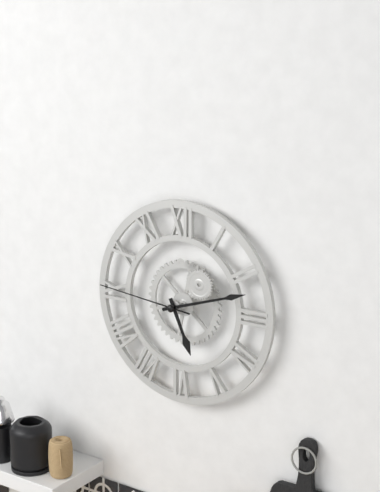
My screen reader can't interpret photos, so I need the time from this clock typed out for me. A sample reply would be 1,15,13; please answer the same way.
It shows 5,12,46
